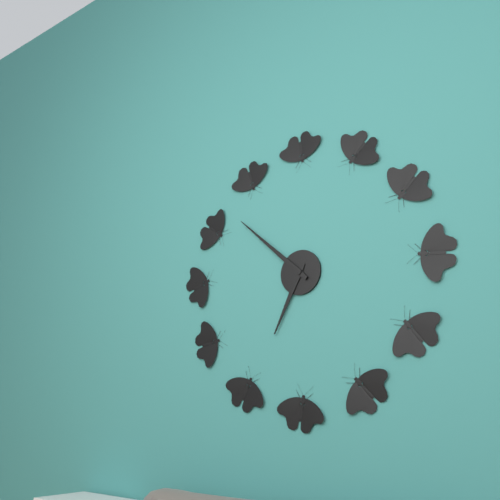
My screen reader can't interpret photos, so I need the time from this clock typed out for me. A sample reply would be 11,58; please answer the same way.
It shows 6,52
